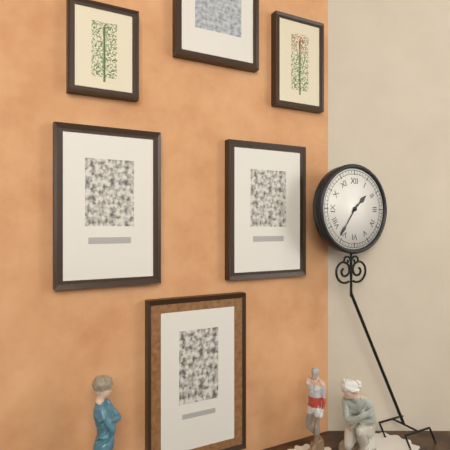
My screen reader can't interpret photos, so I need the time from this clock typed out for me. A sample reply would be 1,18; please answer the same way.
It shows 1,36
